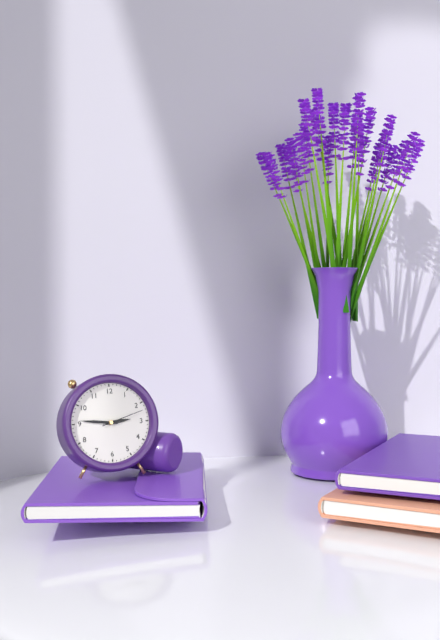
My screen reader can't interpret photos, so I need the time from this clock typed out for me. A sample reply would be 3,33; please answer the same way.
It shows 2,46
